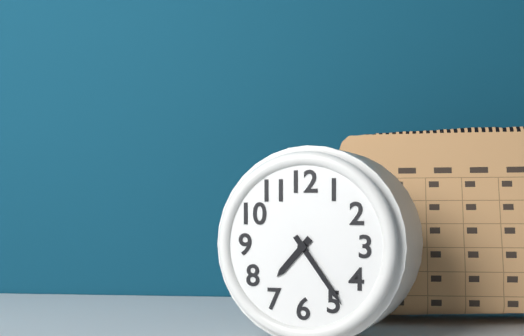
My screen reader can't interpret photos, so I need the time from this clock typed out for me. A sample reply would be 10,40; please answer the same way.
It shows 7,24
